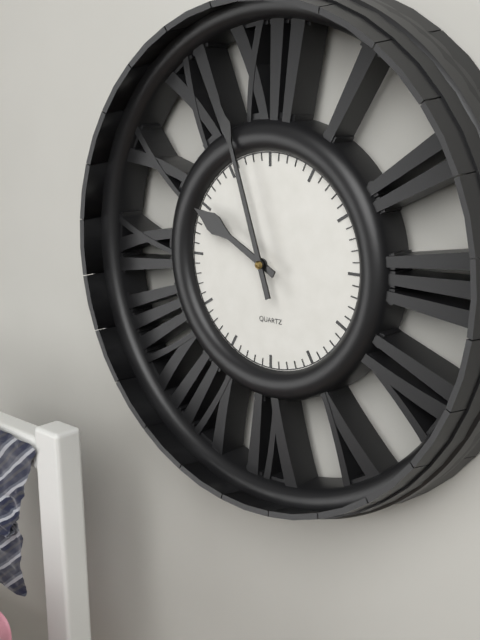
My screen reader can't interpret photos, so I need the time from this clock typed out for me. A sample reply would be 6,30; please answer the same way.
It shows 9,57
